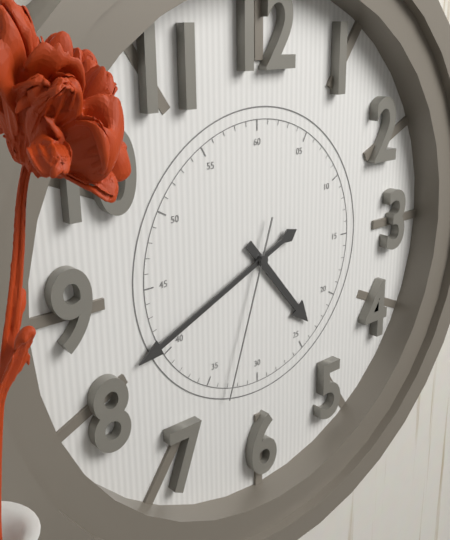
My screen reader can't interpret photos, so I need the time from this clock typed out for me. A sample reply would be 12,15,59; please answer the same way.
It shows 4,41,33
